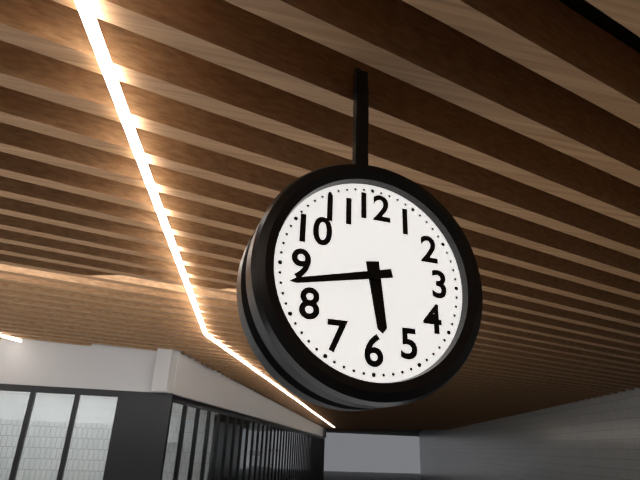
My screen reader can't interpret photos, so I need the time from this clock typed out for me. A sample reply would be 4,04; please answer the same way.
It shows 5,43
